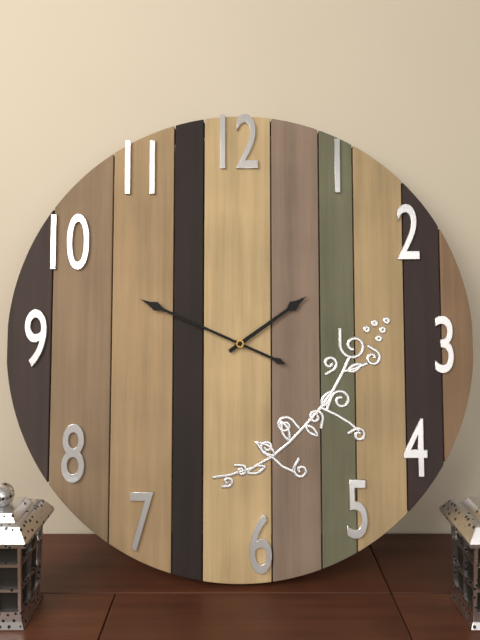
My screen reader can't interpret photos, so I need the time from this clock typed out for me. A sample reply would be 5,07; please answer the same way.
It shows 1,49
